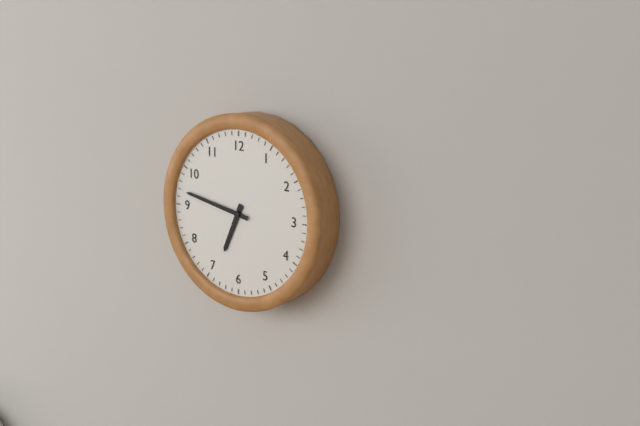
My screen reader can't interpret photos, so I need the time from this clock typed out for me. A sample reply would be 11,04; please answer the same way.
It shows 6,47
